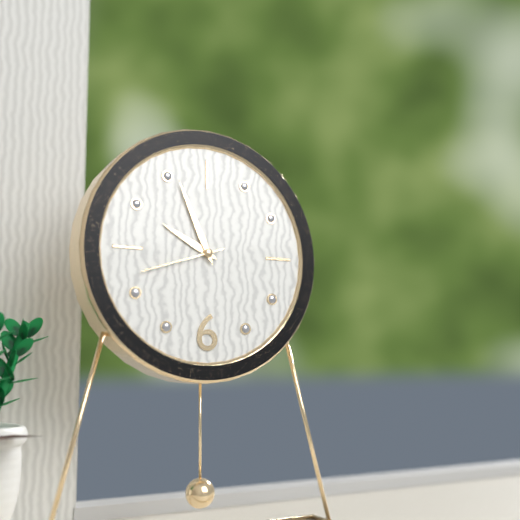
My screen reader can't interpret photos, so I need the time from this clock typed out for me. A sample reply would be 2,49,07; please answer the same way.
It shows 9,56,42
